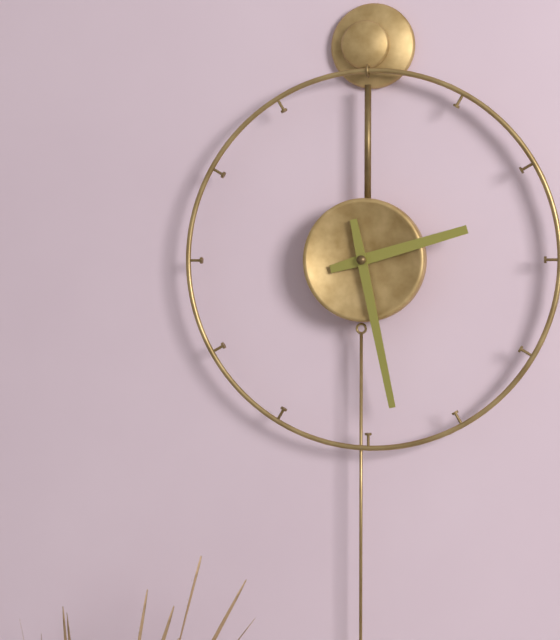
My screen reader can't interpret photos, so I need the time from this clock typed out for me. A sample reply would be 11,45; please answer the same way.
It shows 2,28
